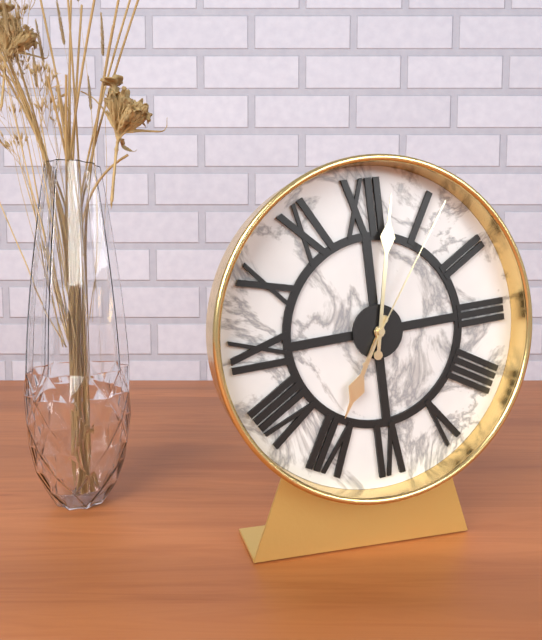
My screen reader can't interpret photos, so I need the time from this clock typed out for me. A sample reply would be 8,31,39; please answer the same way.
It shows 7,02,06
